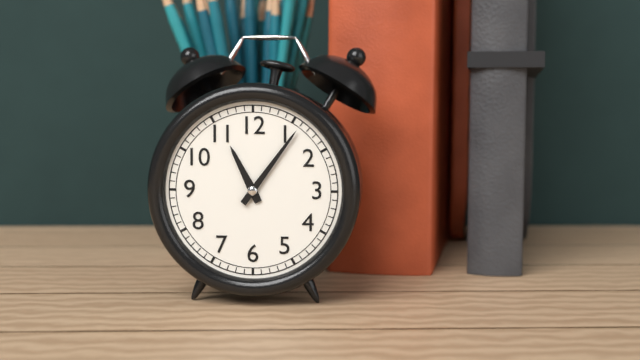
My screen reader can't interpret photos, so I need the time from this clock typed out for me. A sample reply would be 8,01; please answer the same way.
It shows 11,06
